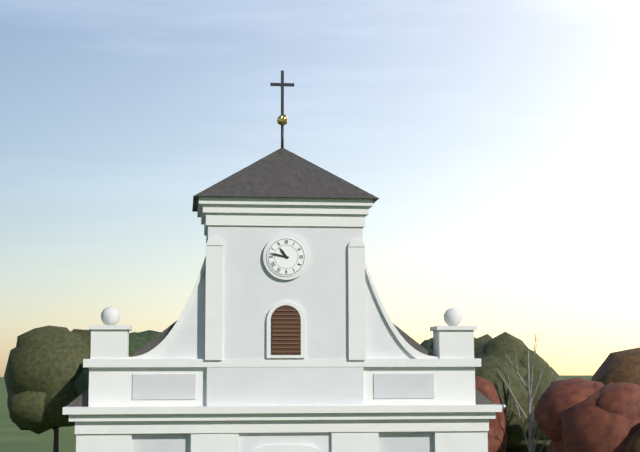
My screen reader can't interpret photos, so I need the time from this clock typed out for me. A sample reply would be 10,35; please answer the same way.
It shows 10,47
